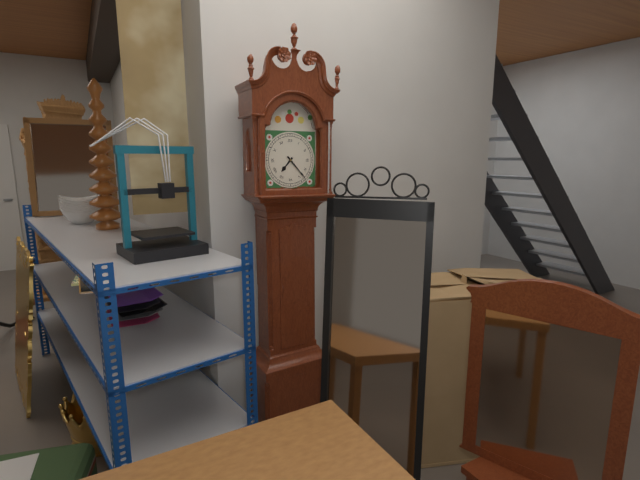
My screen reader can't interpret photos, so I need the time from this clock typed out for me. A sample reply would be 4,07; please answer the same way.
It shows 7,23
